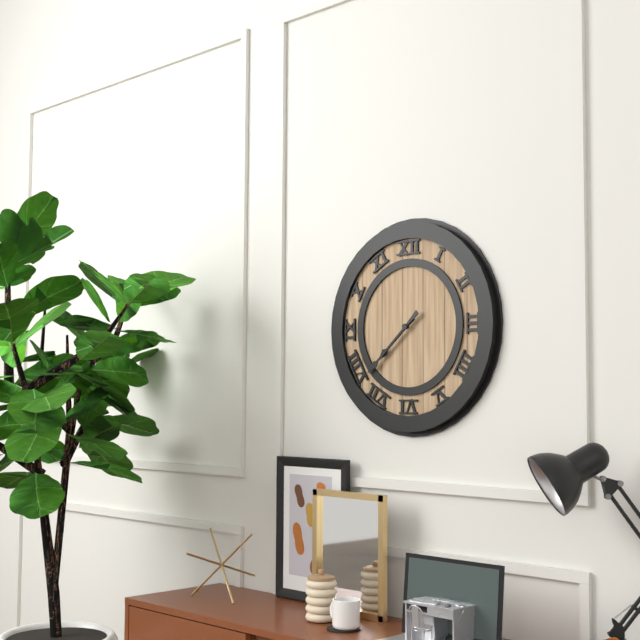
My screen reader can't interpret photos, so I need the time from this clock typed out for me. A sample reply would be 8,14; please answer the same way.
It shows 7,38
